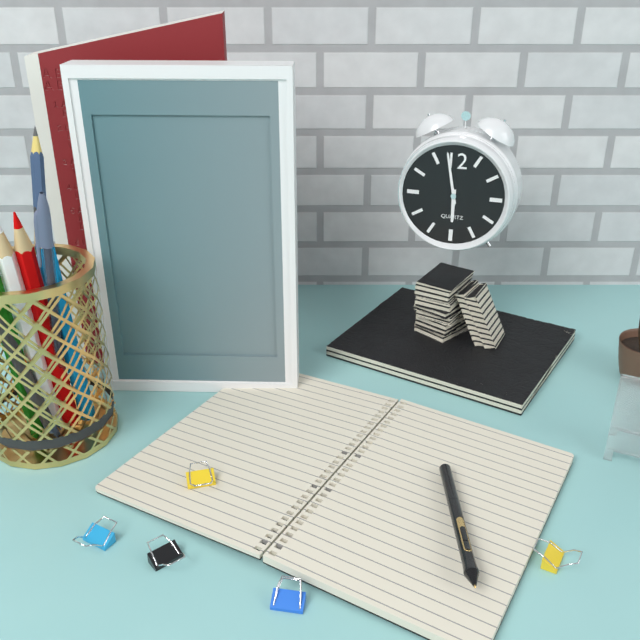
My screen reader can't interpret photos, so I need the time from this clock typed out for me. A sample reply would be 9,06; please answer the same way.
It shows 5,58
